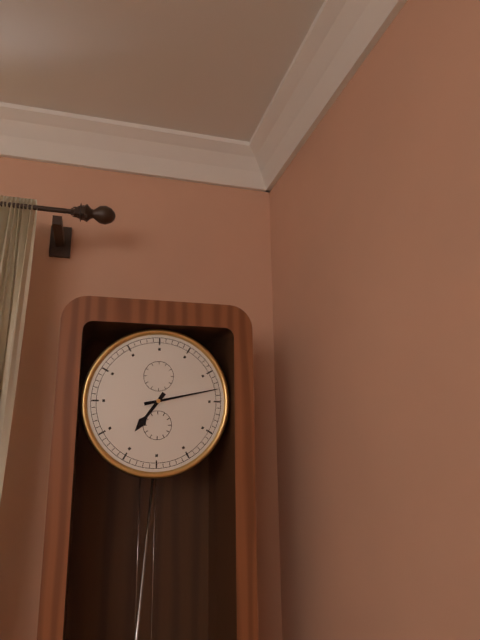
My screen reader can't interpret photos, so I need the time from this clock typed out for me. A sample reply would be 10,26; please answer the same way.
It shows 7,13
